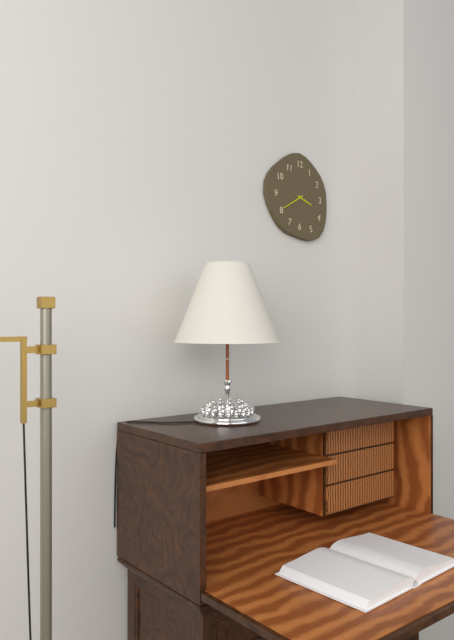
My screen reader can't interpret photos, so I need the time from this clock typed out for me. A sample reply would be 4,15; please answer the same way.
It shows 3,40
